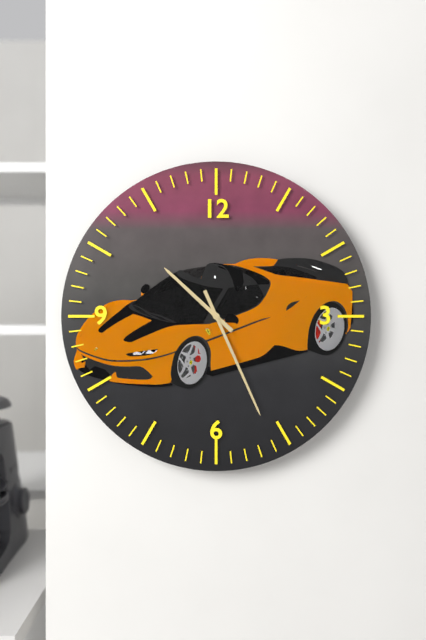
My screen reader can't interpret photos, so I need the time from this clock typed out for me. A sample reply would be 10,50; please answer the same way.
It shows 10,26
